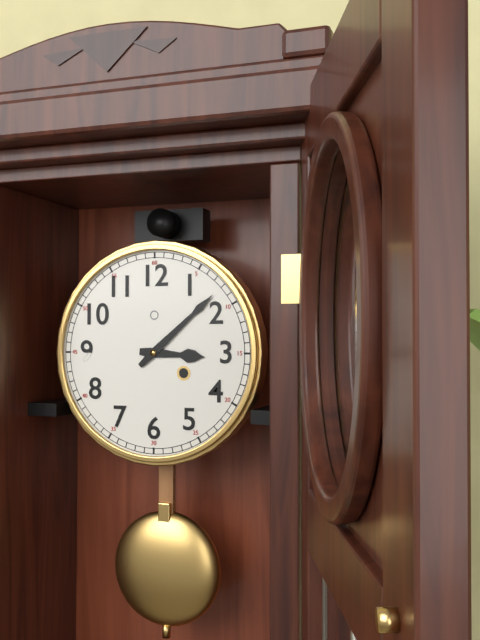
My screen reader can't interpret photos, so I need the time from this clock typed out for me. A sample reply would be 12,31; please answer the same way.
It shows 3,08
